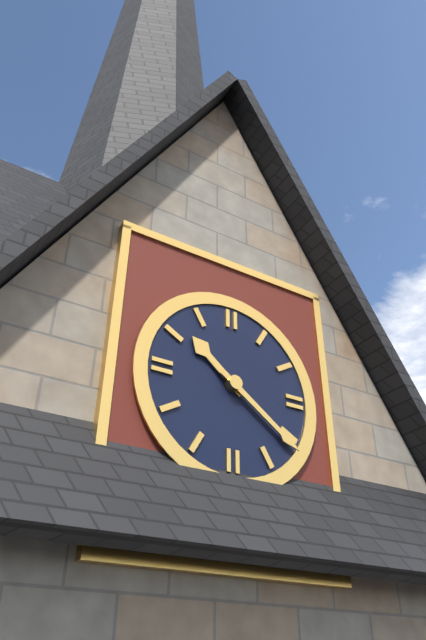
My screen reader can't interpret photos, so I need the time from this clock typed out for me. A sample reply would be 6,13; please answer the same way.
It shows 10,21
